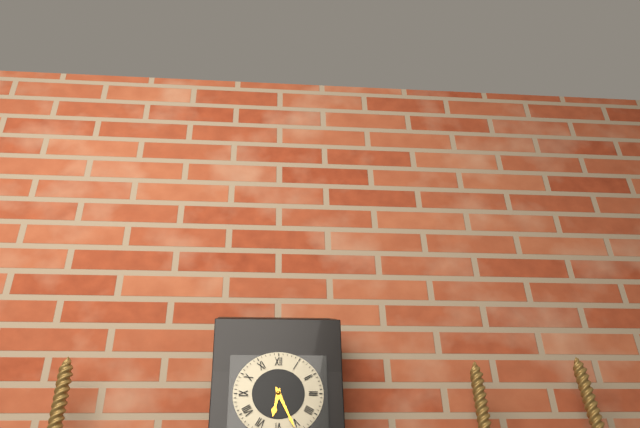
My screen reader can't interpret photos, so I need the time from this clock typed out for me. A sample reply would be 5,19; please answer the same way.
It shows 6,26
